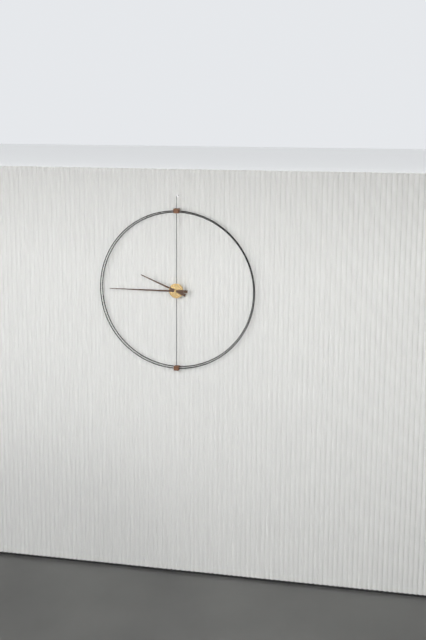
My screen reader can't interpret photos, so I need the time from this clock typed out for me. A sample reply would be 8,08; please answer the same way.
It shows 9,45
